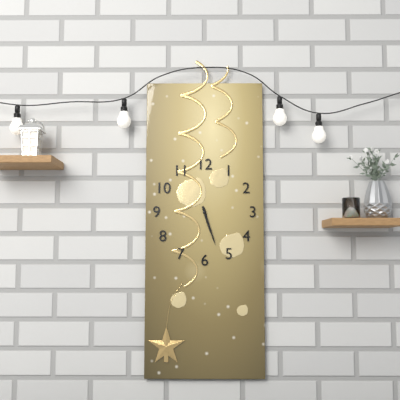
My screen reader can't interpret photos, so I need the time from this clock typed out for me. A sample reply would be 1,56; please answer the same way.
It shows 5,27
